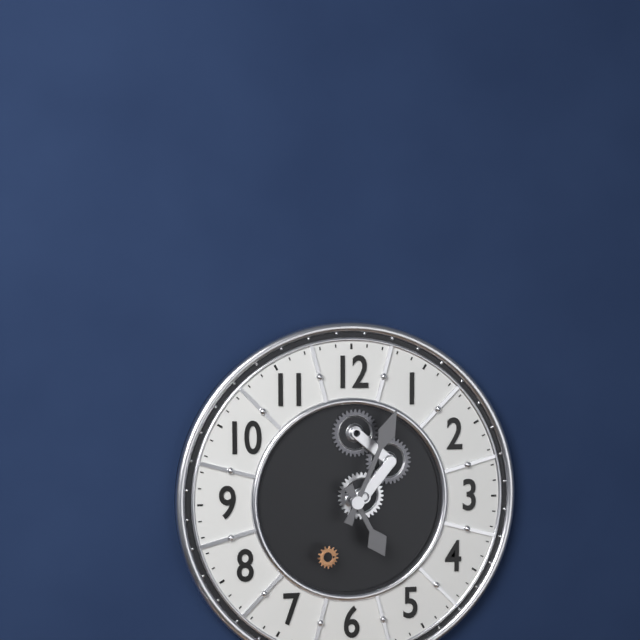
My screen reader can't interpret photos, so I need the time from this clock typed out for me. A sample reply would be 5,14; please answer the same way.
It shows 5,04
